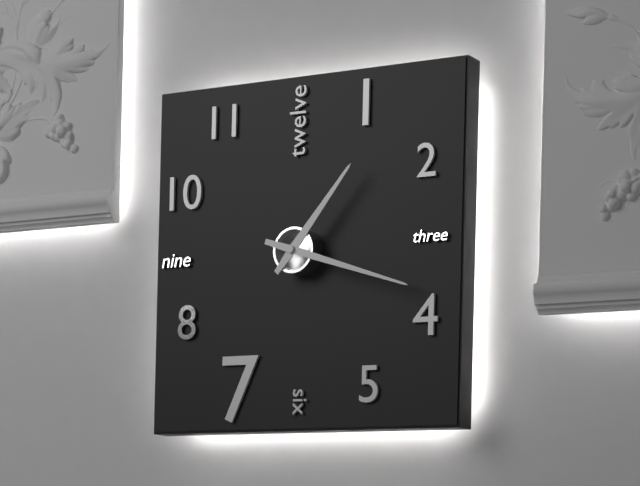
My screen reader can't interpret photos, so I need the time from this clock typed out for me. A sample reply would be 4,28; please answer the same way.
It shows 1,18
